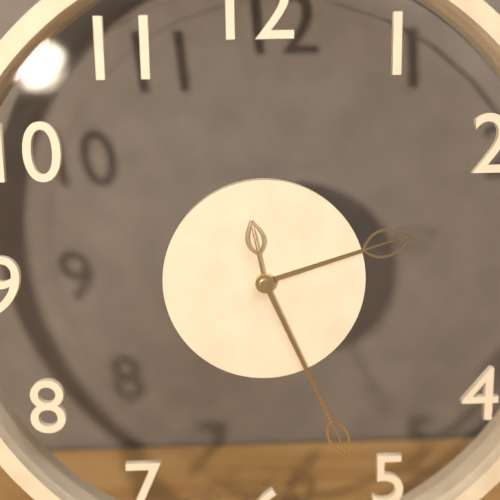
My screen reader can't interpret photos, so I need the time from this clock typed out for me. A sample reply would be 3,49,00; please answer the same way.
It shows 2,26,58
